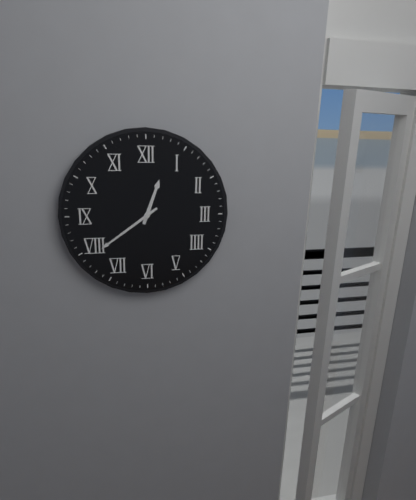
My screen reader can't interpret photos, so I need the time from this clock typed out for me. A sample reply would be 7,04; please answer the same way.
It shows 12,39
